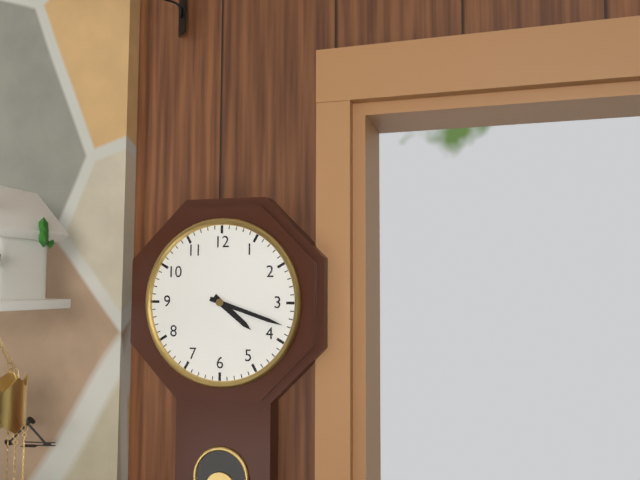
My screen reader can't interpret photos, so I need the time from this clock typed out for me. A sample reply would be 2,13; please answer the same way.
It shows 4,18
